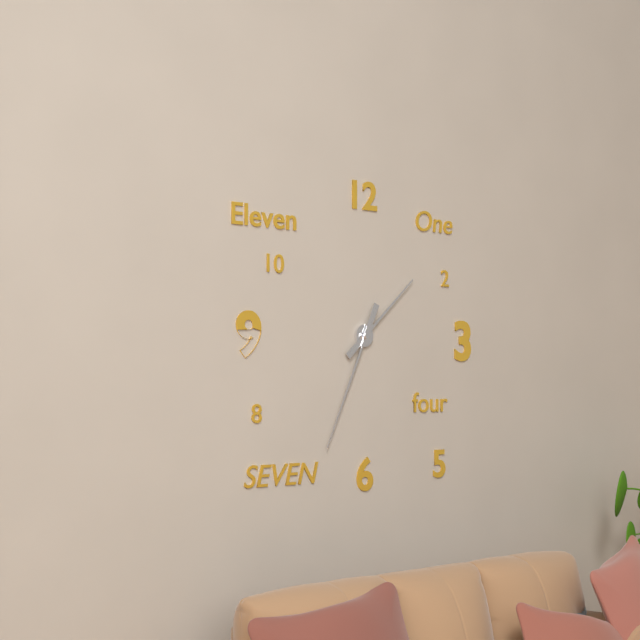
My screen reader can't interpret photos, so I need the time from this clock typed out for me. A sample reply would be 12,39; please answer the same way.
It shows 1,34
